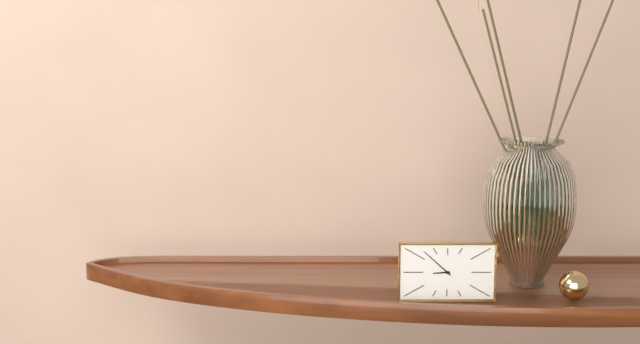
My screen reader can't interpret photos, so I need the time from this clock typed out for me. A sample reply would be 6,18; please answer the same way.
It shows 8,52
